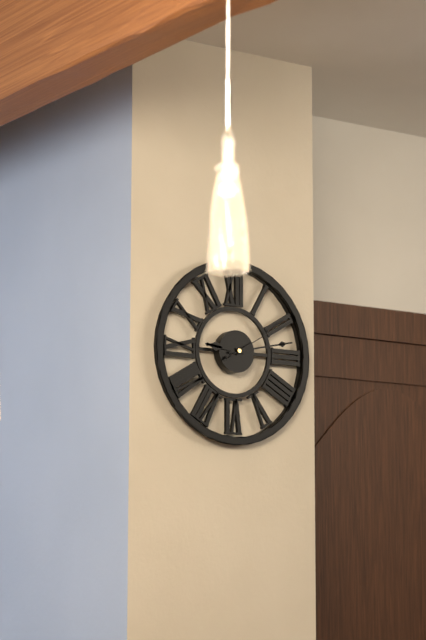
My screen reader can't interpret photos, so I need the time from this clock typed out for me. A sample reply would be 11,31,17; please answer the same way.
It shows 9,13,10
